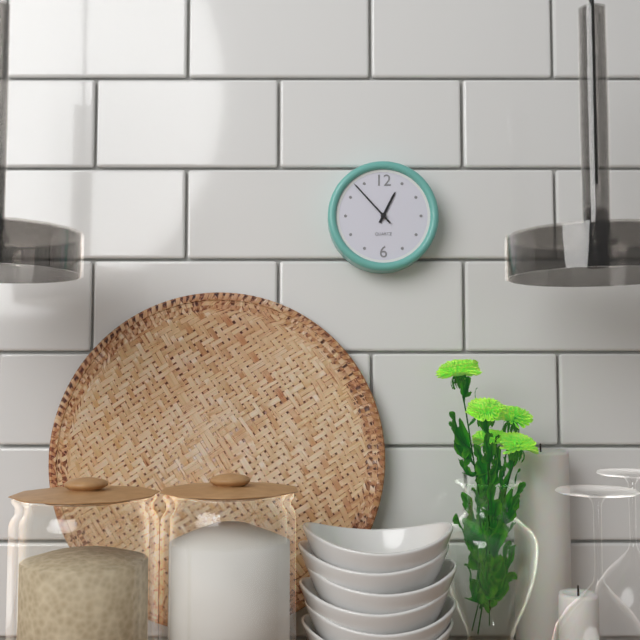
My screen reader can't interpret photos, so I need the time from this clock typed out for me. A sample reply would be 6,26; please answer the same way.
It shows 12,53
